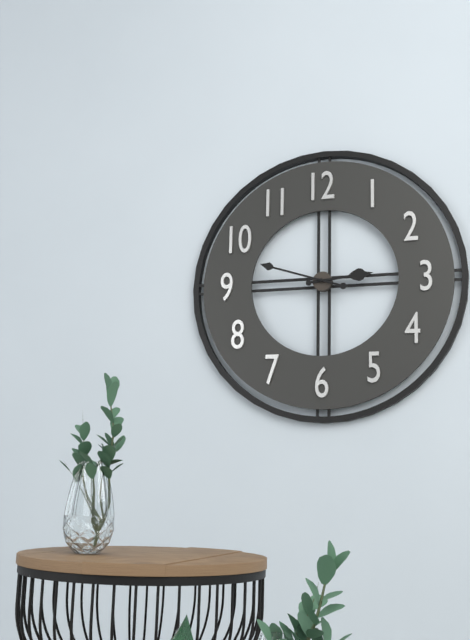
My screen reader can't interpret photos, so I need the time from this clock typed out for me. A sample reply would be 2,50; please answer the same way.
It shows 2,48
